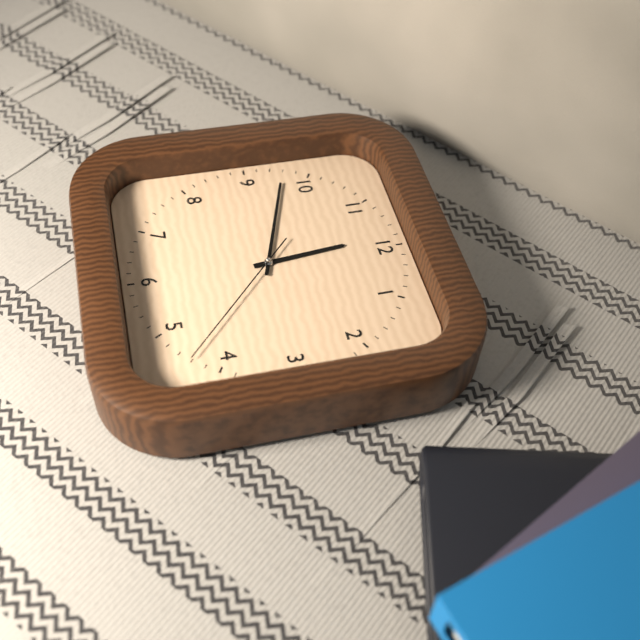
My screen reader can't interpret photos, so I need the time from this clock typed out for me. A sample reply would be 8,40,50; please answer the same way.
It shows 11,48,22
